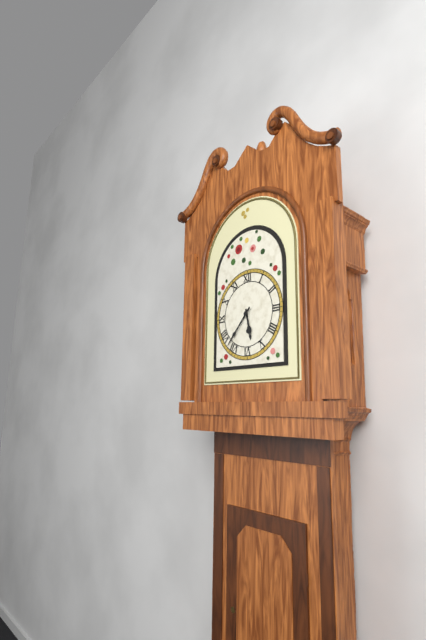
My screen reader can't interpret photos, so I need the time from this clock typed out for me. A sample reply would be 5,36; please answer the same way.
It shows 5,37
